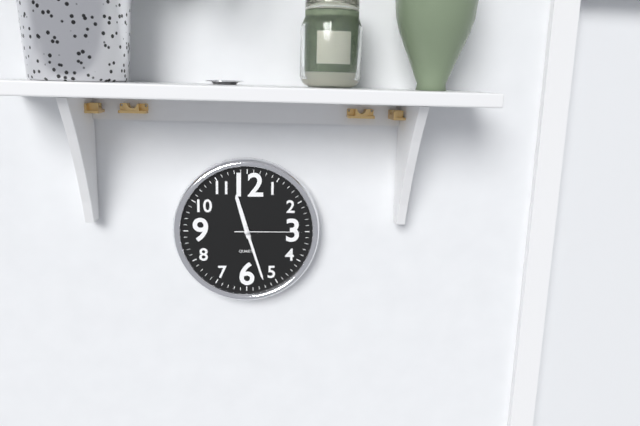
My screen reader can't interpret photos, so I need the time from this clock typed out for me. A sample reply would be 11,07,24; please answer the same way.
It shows 11,27,15
